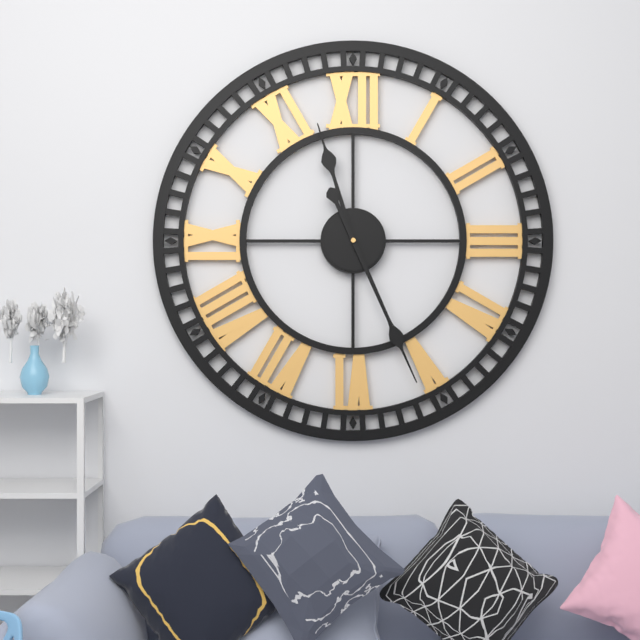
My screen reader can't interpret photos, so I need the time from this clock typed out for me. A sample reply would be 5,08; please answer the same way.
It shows 11,26
